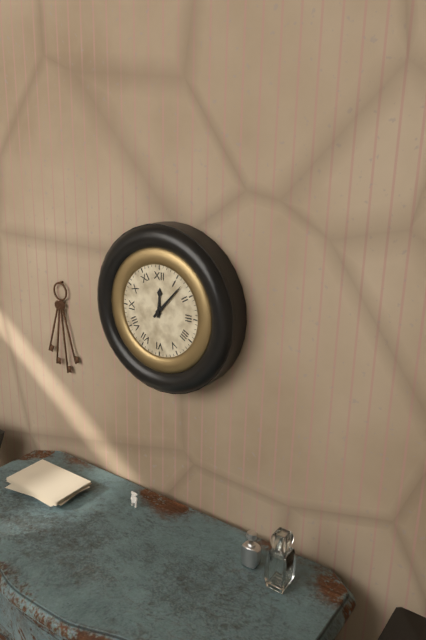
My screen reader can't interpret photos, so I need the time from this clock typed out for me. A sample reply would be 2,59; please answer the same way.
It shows 12,07
